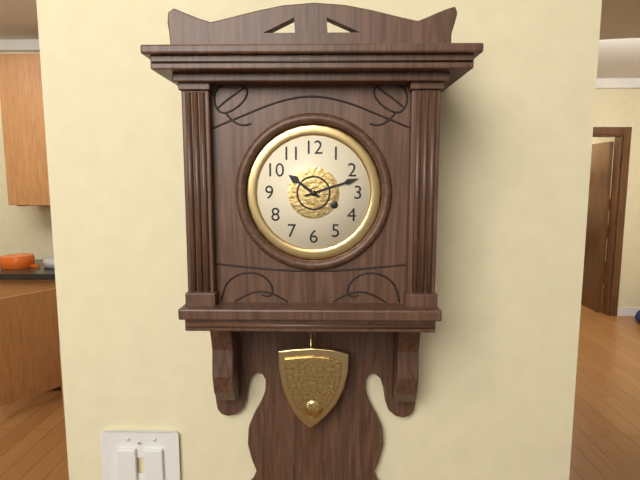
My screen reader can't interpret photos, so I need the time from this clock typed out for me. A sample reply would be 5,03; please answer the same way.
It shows 10,12
